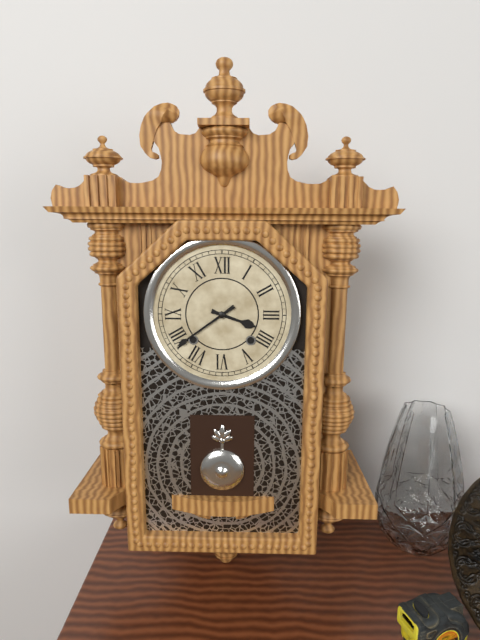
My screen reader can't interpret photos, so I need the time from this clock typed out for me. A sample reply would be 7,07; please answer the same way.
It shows 3,39
